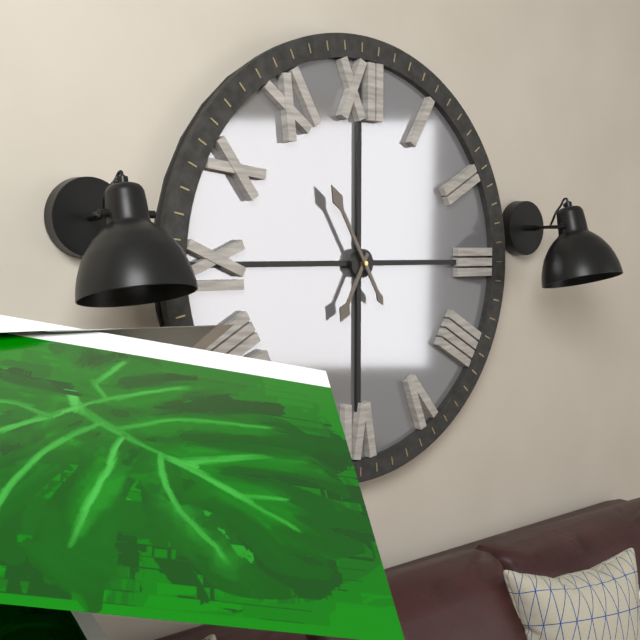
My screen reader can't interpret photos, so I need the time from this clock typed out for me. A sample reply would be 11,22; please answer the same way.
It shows 6,55
